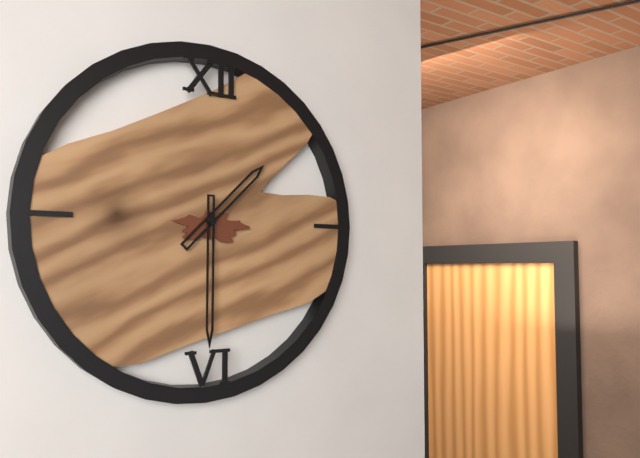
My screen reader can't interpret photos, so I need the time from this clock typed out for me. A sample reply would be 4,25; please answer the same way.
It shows 1,30
